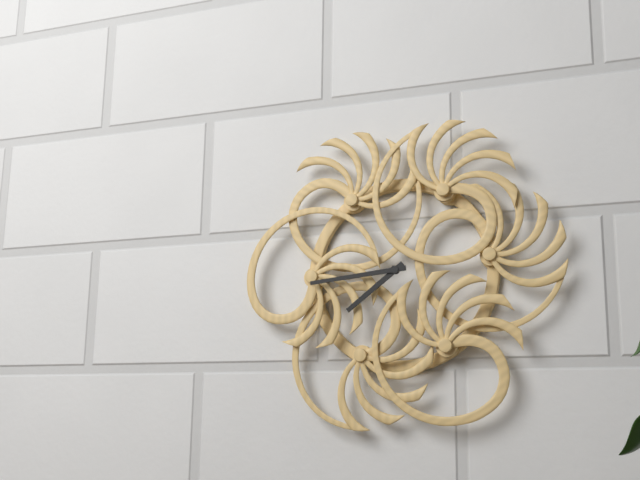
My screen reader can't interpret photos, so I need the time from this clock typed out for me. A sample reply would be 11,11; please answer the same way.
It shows 7,44
